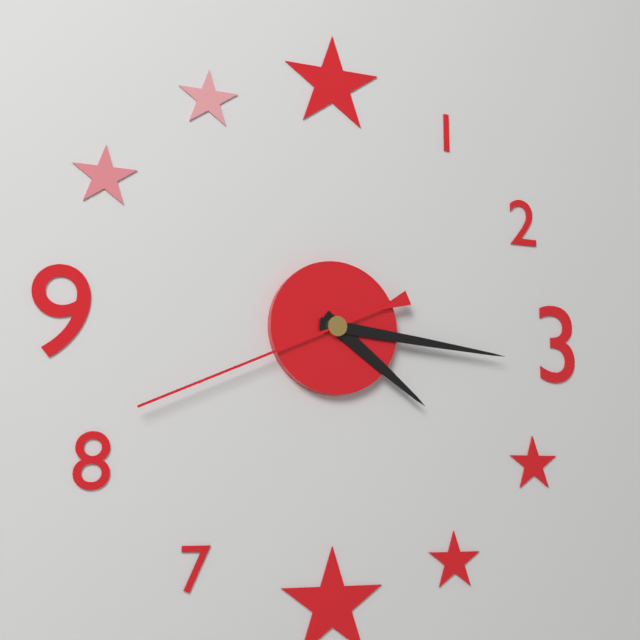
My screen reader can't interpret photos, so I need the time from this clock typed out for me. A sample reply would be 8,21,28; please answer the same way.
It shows 4,16,41
